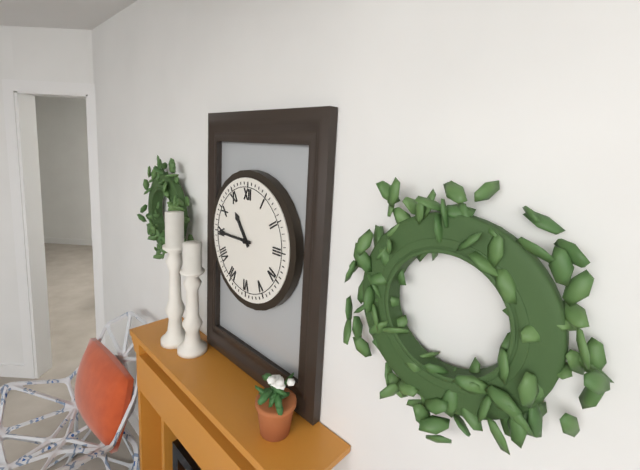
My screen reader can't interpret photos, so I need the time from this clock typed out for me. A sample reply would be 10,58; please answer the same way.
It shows 10,45
